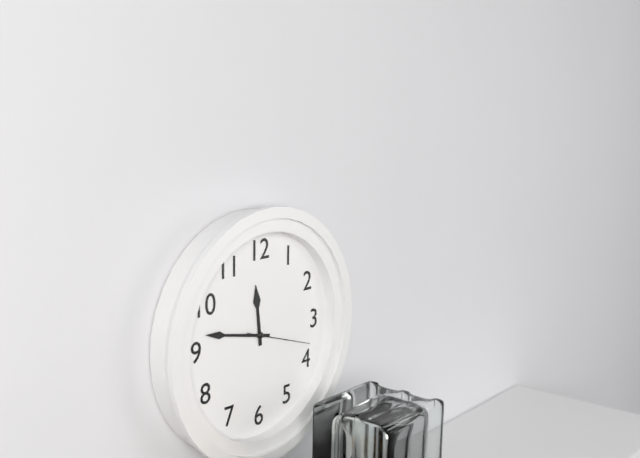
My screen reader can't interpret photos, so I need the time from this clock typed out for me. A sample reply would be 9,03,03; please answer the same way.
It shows 11,47,18
